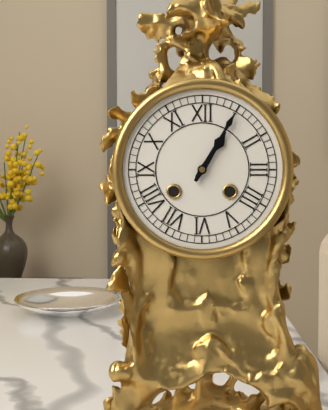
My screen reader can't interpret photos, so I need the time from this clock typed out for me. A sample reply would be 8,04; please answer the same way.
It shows 1,05
